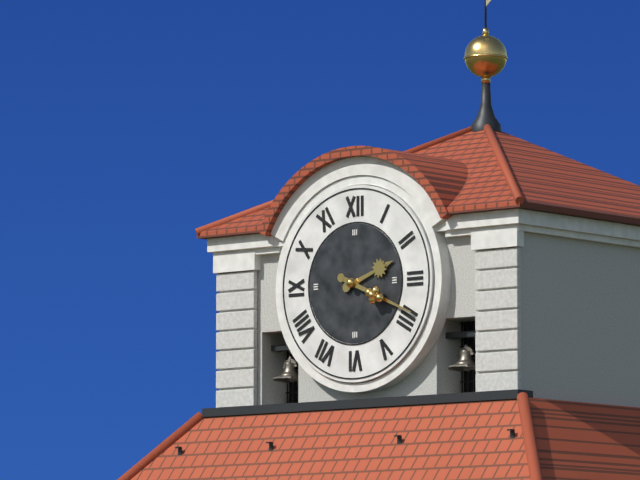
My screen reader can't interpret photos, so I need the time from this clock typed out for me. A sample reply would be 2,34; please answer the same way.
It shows 2,19
